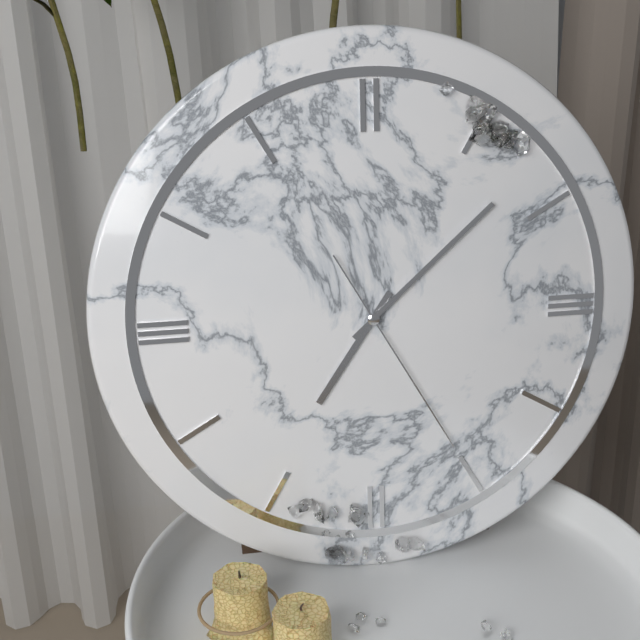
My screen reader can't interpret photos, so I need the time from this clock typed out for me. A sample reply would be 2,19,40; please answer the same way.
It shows 7,08,25
